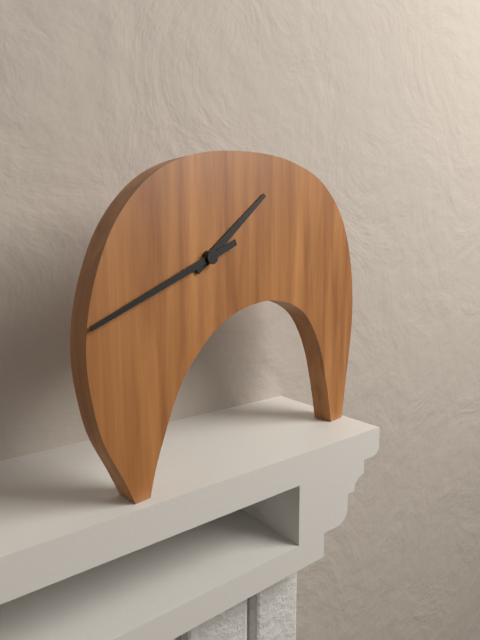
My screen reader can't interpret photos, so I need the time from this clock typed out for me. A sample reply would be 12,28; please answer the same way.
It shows 1,41
